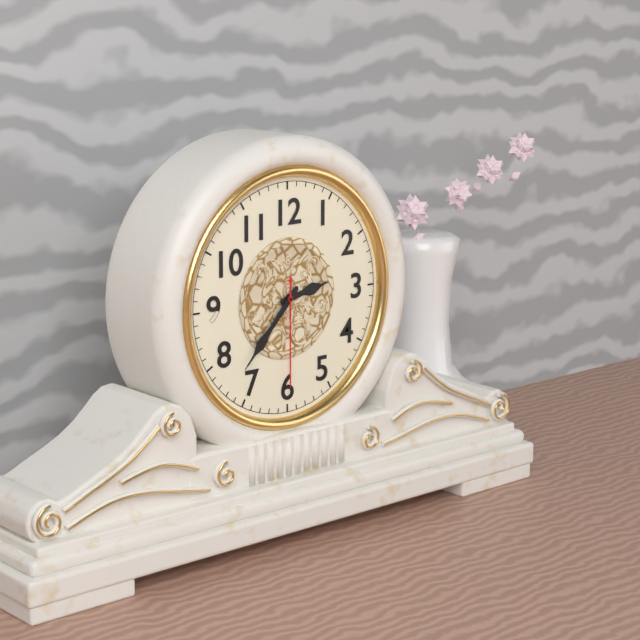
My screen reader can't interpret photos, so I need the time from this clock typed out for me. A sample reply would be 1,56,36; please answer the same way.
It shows 2,37,30
